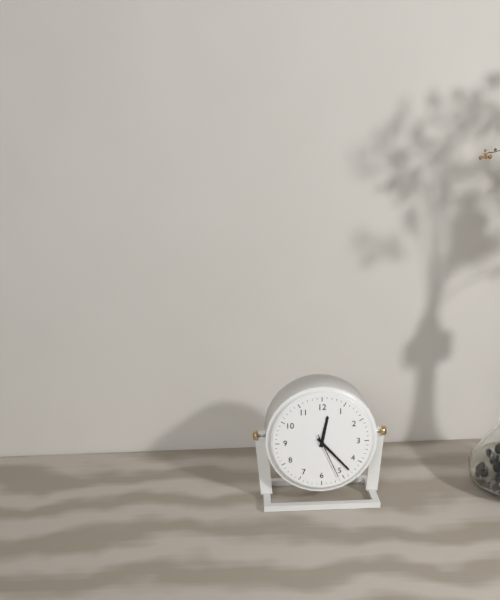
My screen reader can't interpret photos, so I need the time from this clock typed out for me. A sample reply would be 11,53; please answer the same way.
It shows 12,23
